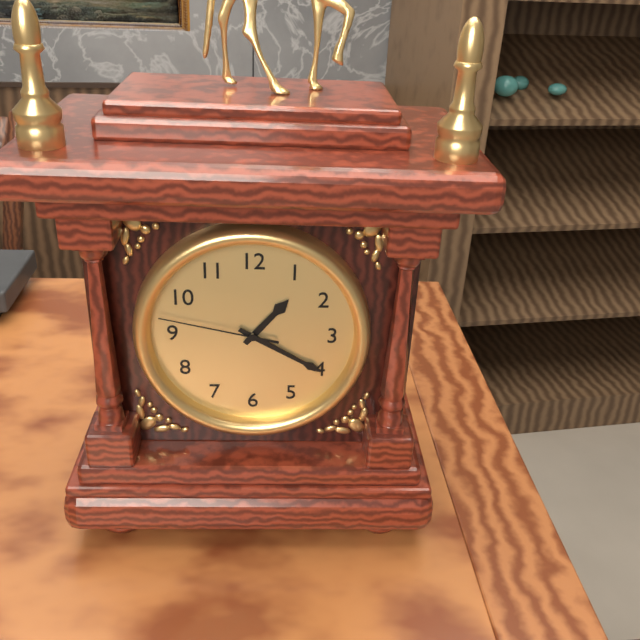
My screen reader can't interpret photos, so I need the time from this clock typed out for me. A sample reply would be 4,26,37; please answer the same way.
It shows 1,20,47
